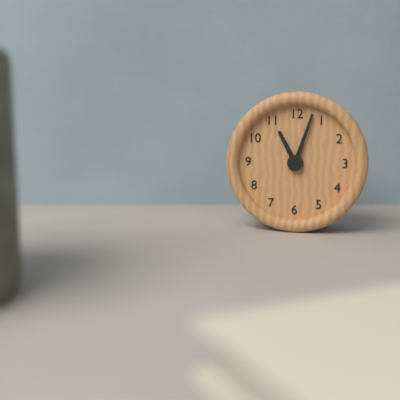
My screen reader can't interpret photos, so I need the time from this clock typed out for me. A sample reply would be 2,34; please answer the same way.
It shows 11,03
